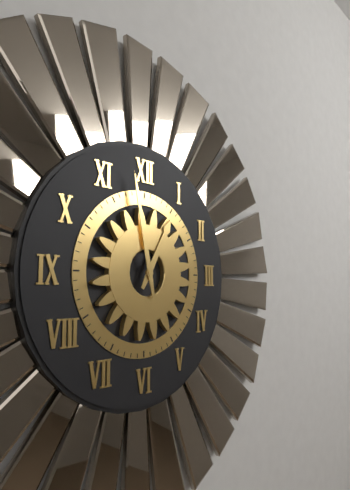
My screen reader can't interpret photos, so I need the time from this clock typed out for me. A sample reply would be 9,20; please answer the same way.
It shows 12,58
